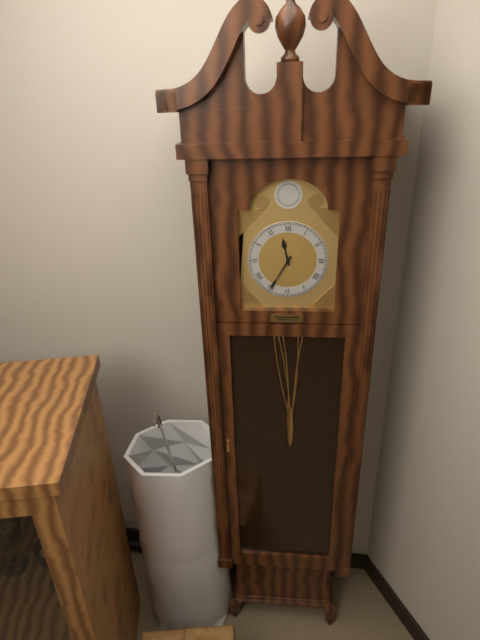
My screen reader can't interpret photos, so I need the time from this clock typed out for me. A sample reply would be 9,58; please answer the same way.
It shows 11,35
